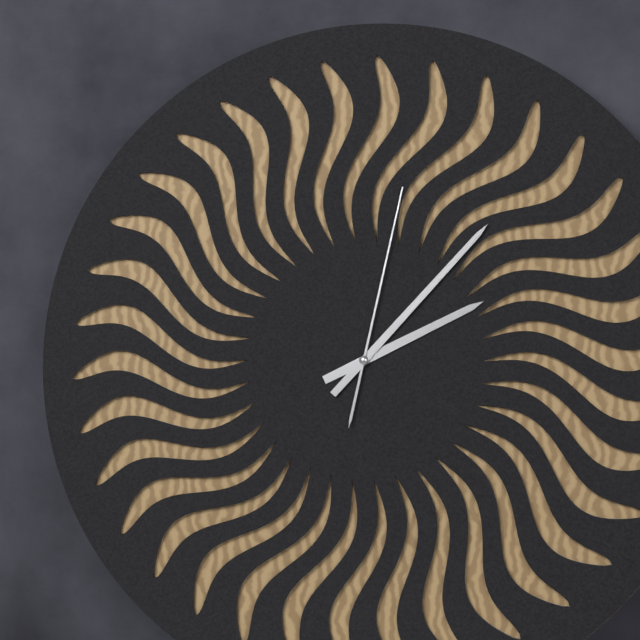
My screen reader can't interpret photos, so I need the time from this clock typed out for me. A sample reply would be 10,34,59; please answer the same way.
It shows 2,07,02
